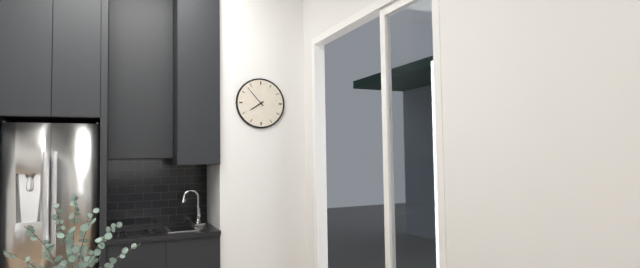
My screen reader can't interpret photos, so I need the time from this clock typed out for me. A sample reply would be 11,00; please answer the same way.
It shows 7,53
